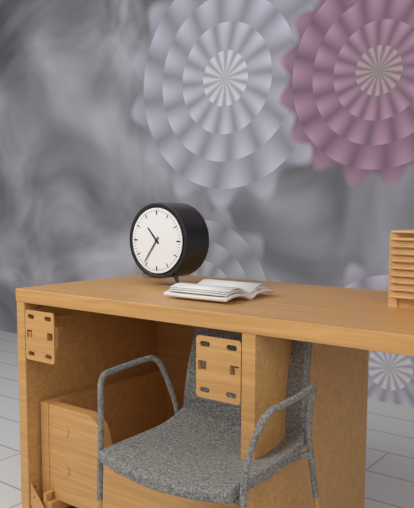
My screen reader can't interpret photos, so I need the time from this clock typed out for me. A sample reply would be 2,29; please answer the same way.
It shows 10,36
